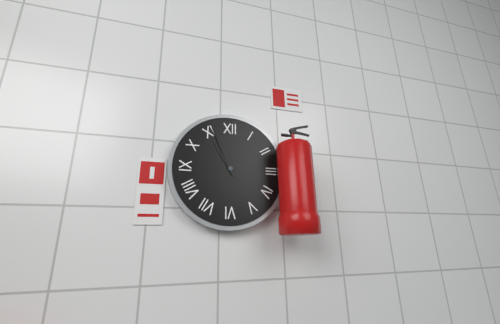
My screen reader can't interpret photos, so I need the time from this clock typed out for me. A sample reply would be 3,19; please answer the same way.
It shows 10,56
